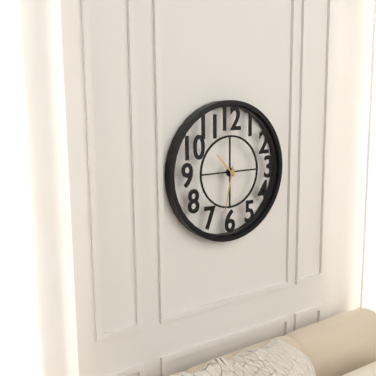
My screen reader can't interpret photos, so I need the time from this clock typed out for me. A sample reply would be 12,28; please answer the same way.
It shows 10,32
